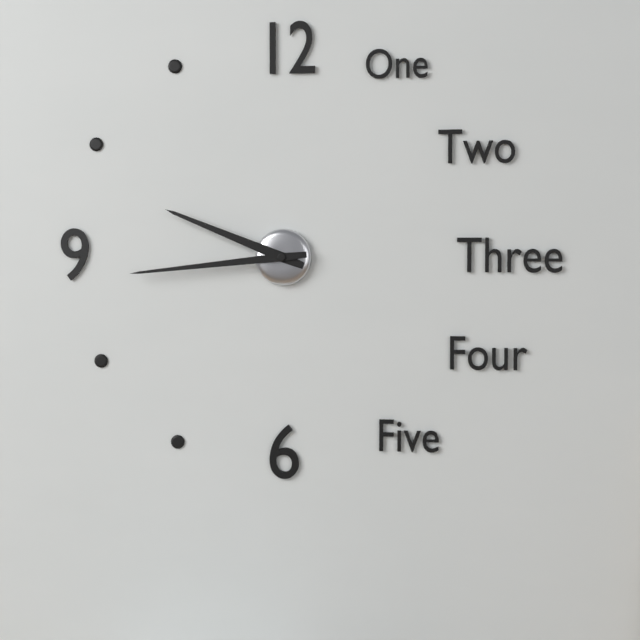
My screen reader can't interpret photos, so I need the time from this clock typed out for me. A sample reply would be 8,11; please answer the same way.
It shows 9,44
